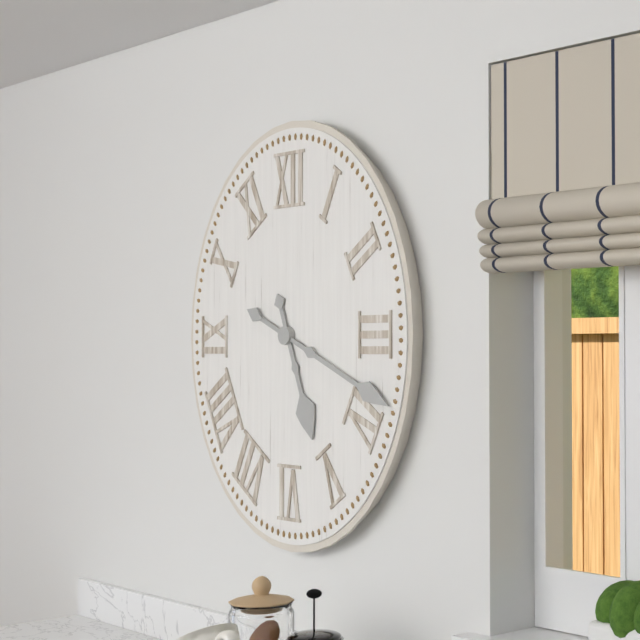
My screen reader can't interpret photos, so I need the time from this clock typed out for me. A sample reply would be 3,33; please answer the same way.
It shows 5,19
